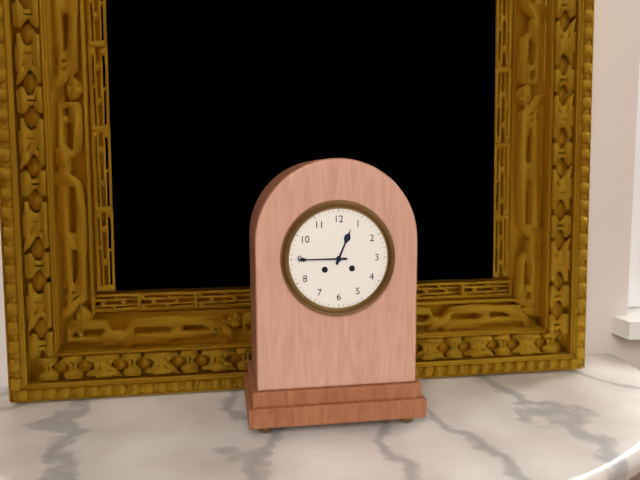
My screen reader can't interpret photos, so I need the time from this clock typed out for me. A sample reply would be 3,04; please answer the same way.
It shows 12,45
